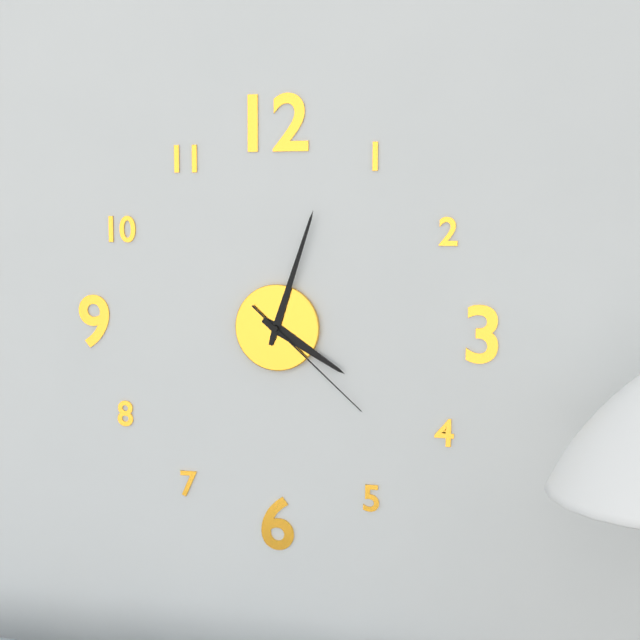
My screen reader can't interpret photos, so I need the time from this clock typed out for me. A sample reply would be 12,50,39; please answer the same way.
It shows 4,03,22
